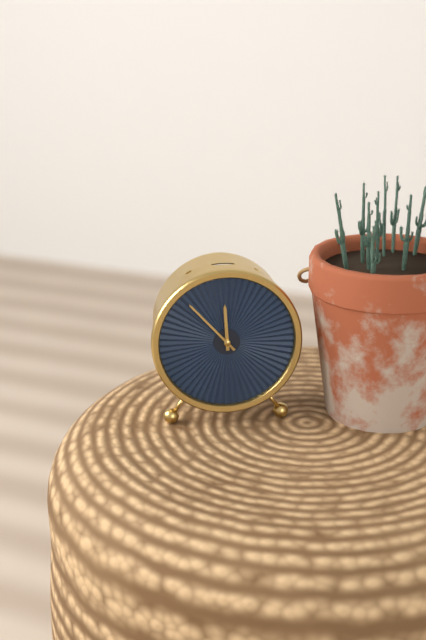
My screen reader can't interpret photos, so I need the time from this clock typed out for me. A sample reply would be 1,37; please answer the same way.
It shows 11,53
